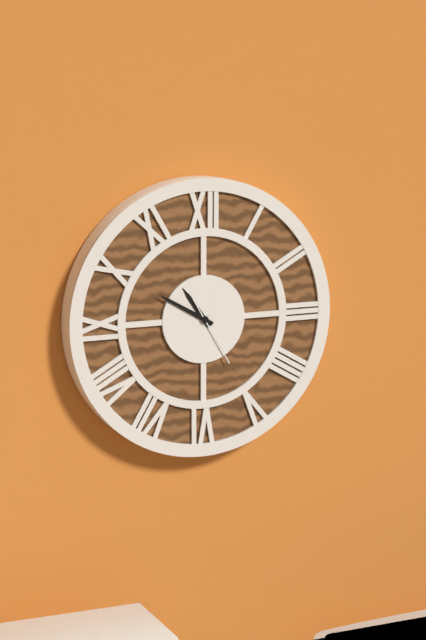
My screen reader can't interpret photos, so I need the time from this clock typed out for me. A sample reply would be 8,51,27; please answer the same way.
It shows 10,50,25
